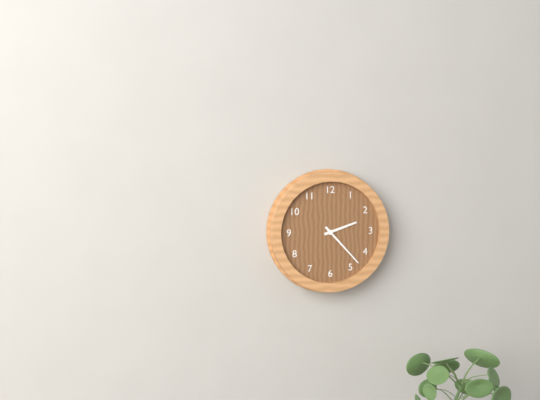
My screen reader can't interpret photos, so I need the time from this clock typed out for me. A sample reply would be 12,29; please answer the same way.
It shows 2,23
